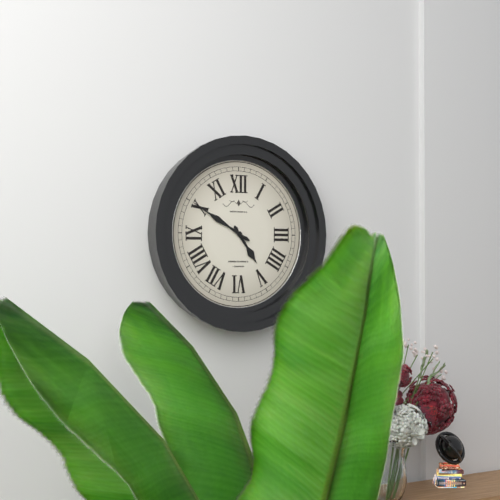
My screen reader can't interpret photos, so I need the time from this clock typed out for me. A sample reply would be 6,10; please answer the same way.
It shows 4,50
